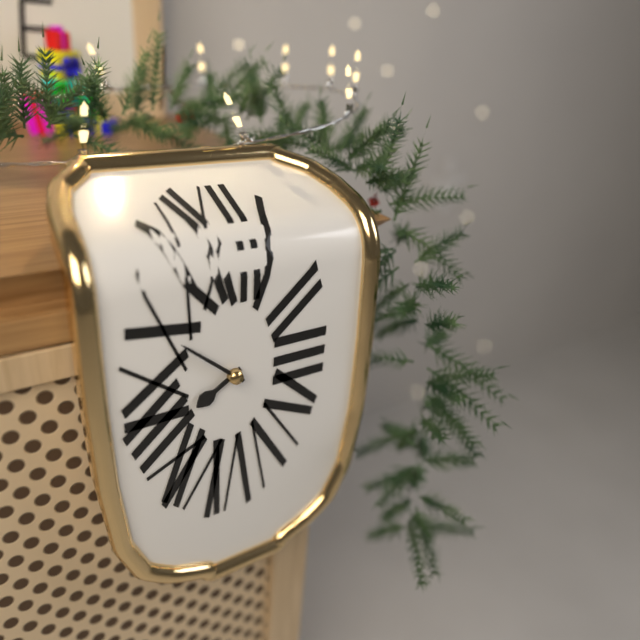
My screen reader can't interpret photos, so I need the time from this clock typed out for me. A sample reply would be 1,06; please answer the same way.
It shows 7,52
